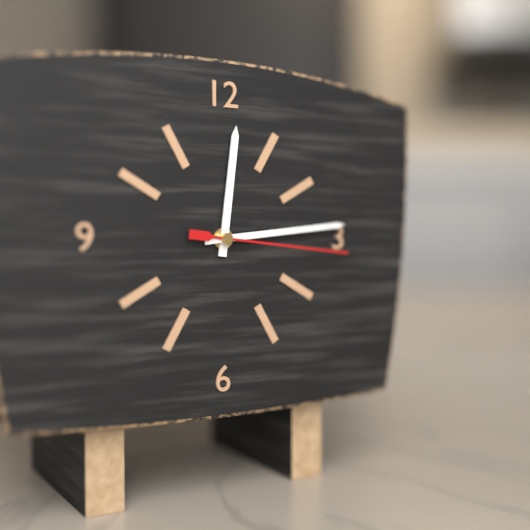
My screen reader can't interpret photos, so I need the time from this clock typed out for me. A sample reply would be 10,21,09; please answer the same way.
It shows 12,14,16
